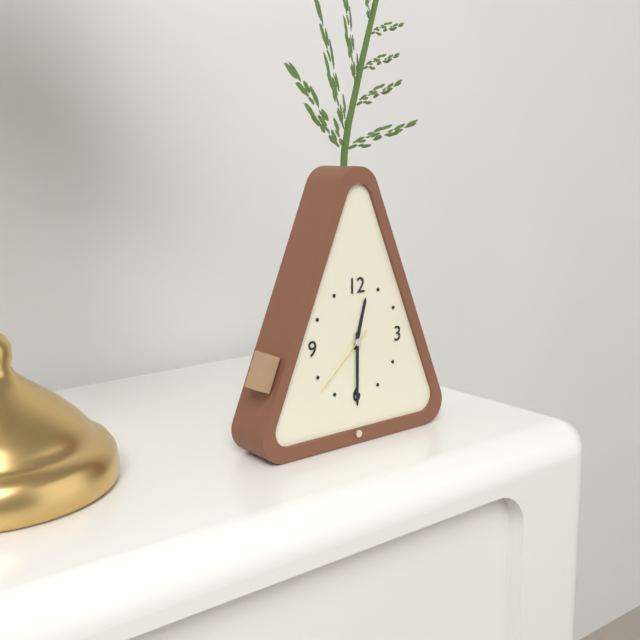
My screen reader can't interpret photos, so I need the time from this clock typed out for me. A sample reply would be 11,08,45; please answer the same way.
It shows 12,30,38
